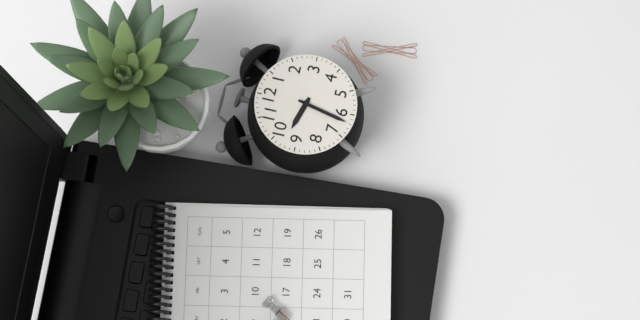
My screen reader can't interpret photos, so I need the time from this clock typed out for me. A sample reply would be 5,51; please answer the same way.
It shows 9,32
